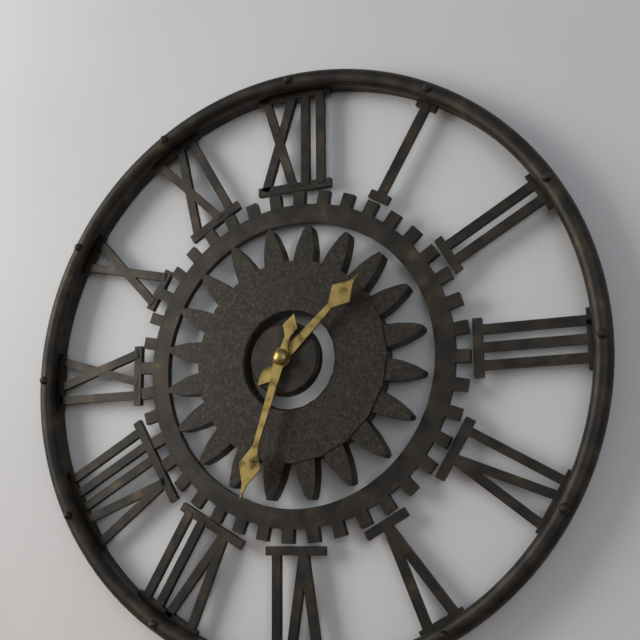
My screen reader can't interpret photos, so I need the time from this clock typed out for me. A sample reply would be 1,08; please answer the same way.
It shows 1,33
